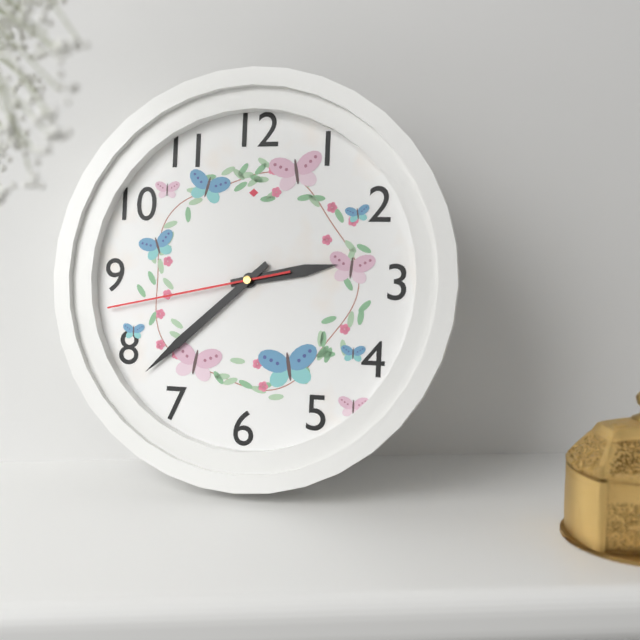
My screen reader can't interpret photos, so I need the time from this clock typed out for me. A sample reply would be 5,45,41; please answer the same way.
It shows 2,38,43
